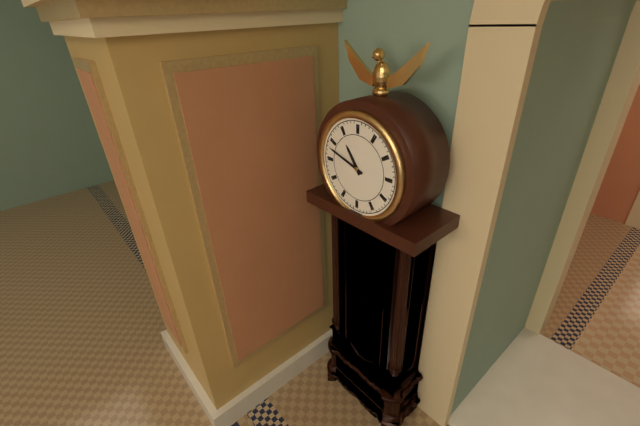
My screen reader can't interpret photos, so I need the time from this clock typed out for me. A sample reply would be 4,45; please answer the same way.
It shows 10,48
